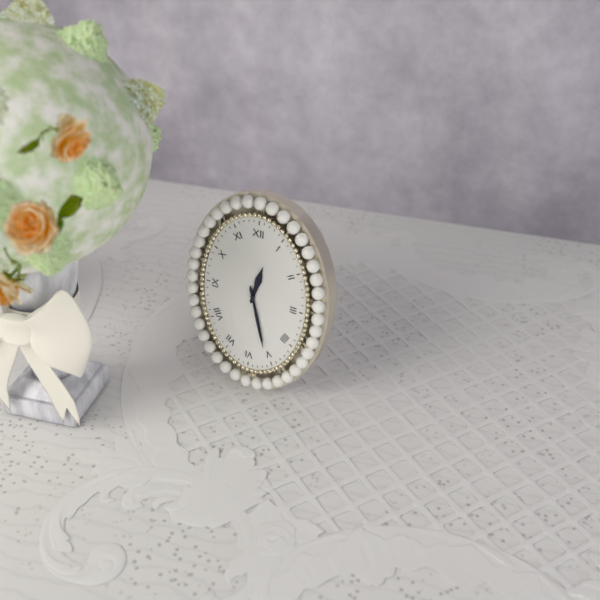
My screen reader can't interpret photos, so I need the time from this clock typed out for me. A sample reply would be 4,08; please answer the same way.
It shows 12,27
